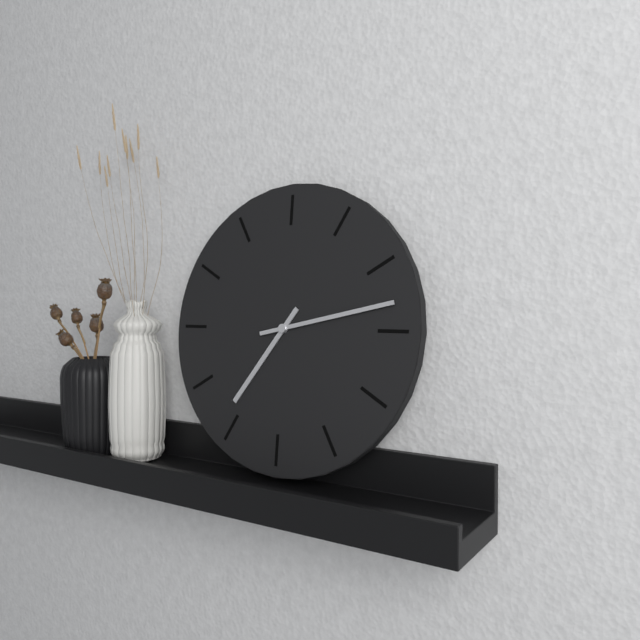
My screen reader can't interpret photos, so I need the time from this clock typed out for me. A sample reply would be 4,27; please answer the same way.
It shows 7,13
